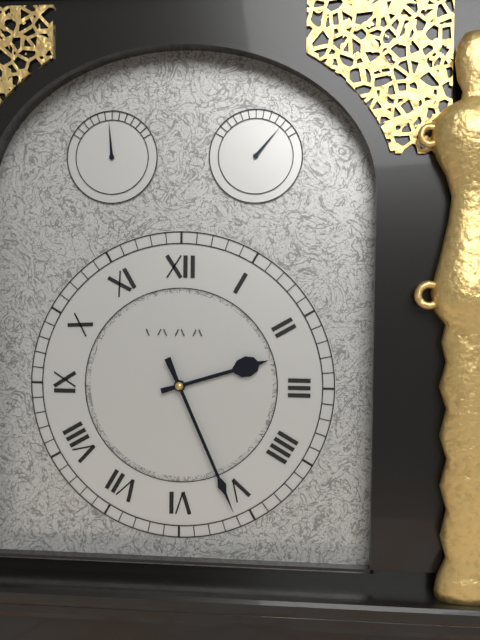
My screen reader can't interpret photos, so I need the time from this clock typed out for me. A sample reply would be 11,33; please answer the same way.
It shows 2,26
